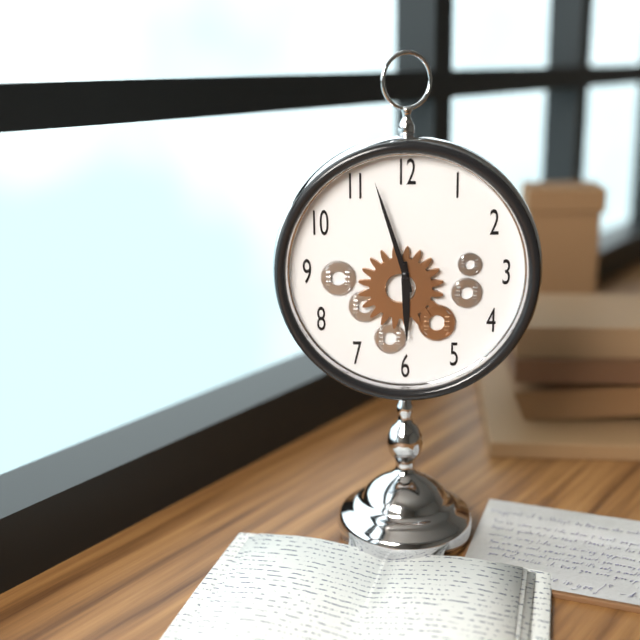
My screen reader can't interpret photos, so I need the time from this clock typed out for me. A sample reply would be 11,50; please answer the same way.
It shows 5,57
